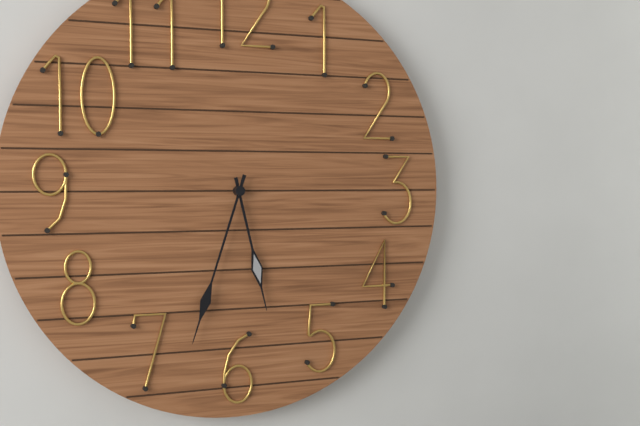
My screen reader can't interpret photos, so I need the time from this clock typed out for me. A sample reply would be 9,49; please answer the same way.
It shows 5,33
